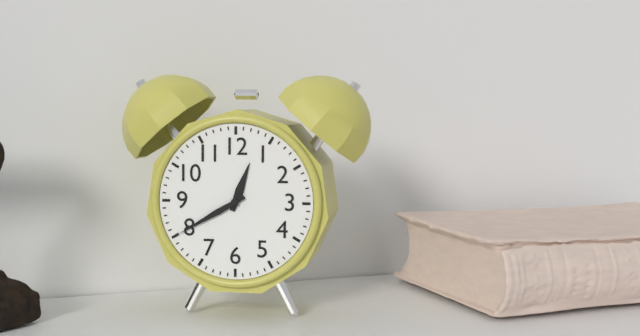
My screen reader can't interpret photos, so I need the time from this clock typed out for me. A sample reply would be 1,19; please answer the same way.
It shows 12,40
